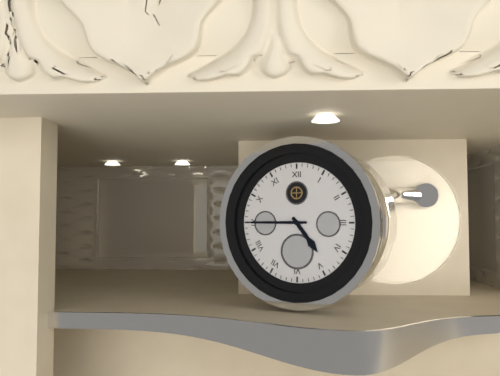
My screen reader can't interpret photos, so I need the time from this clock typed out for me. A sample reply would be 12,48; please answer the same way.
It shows 4,45
